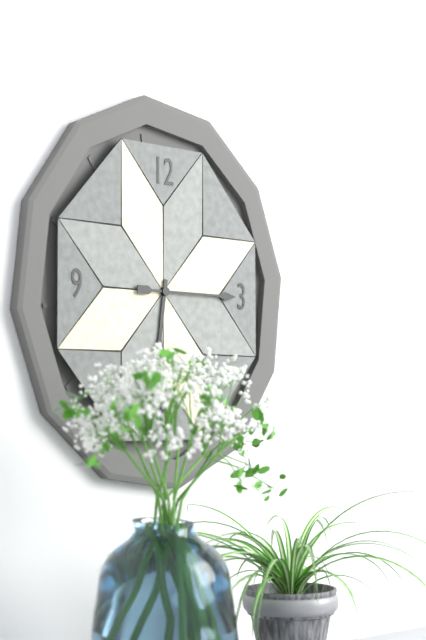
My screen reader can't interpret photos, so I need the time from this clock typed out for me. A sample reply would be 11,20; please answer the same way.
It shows 6,15
